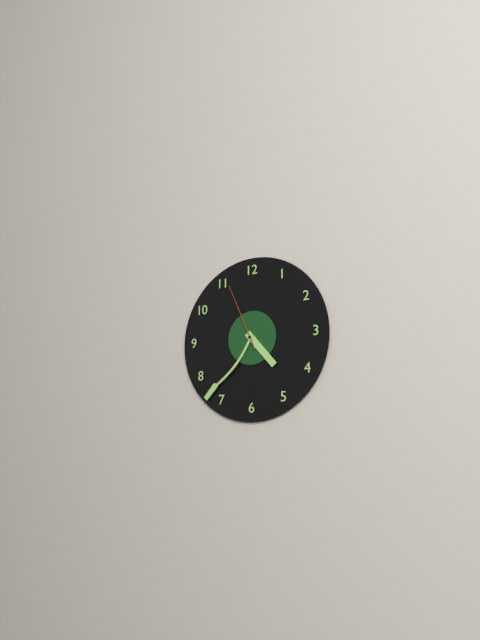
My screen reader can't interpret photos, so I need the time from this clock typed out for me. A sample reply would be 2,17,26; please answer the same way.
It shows 4,37,56
